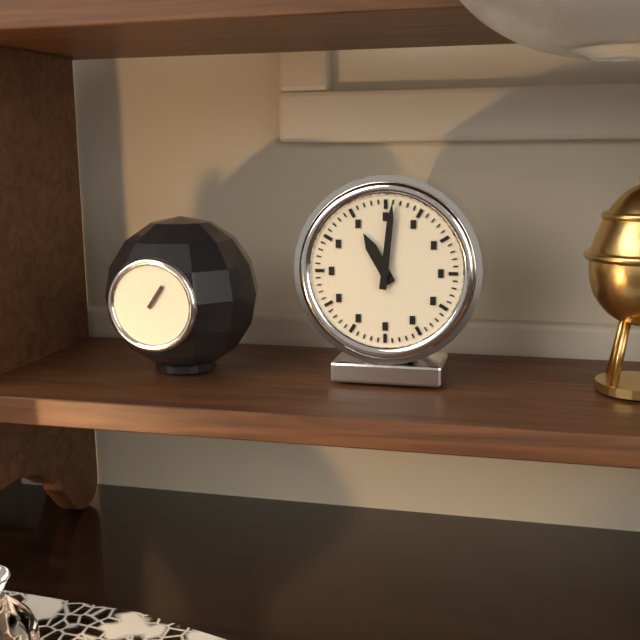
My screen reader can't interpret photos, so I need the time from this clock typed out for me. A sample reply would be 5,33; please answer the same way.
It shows 11,01
